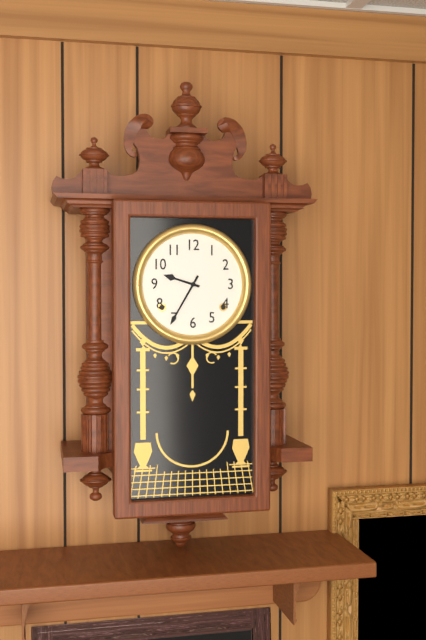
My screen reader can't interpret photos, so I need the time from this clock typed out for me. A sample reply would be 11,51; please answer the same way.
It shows 9,35
